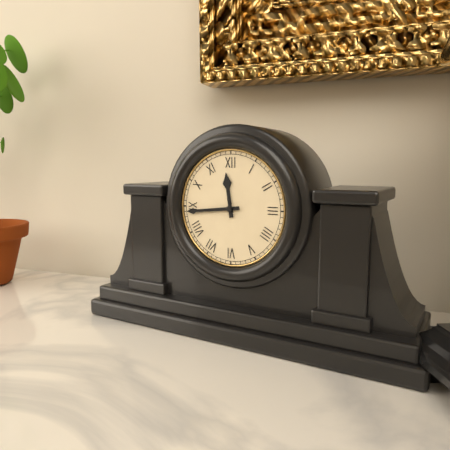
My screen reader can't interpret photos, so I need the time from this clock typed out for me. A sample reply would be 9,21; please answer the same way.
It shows 11,44
